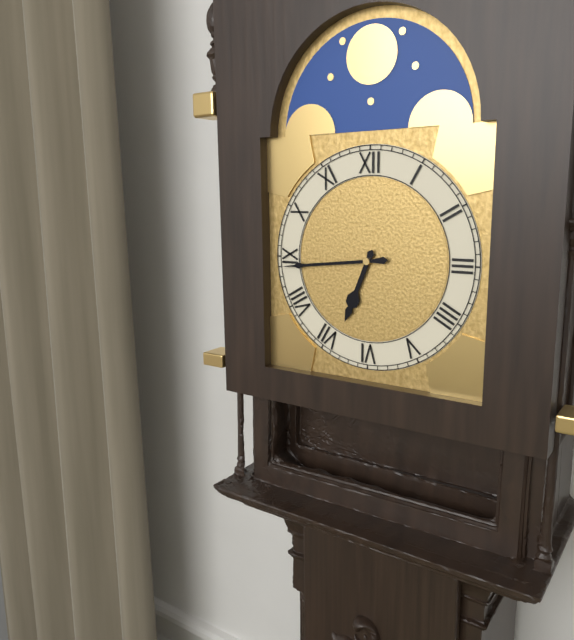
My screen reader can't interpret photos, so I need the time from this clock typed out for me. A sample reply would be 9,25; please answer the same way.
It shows 6,44
